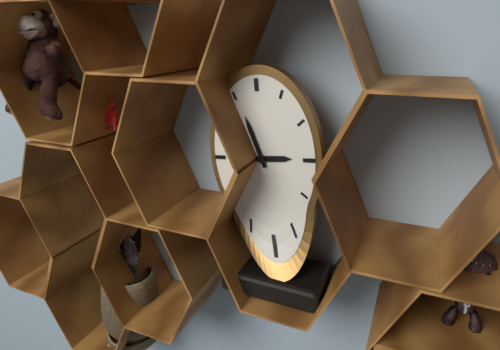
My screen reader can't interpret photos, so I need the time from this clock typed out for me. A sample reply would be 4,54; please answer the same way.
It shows 2,57
